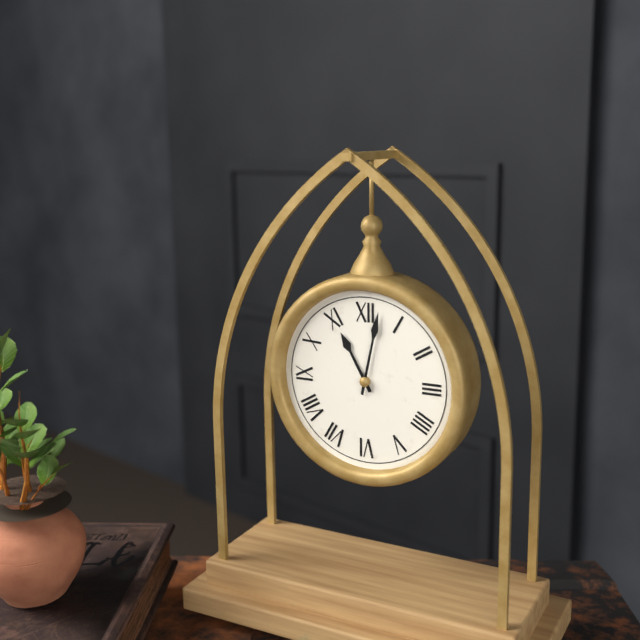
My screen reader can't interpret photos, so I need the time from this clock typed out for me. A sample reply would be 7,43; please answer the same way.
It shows 11,02
